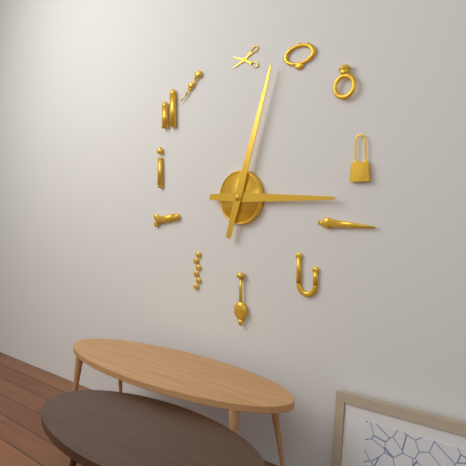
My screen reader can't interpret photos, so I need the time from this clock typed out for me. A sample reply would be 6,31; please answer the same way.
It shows 3,03
